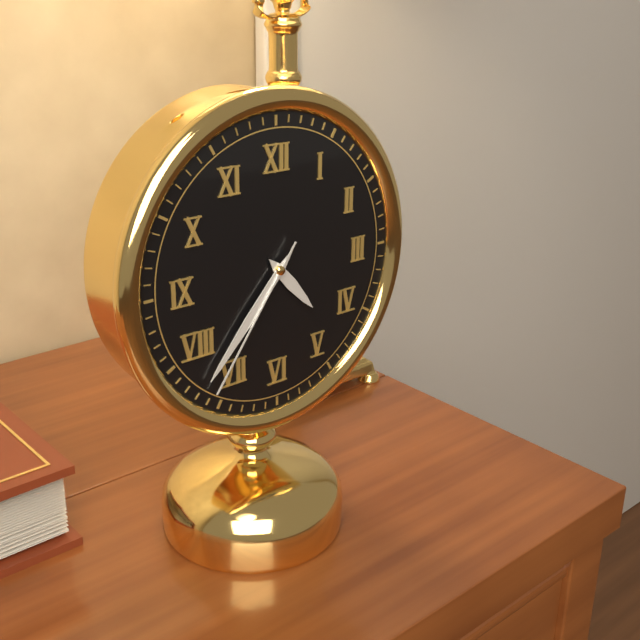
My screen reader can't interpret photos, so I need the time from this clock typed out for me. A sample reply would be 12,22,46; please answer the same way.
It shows 4,37,36
